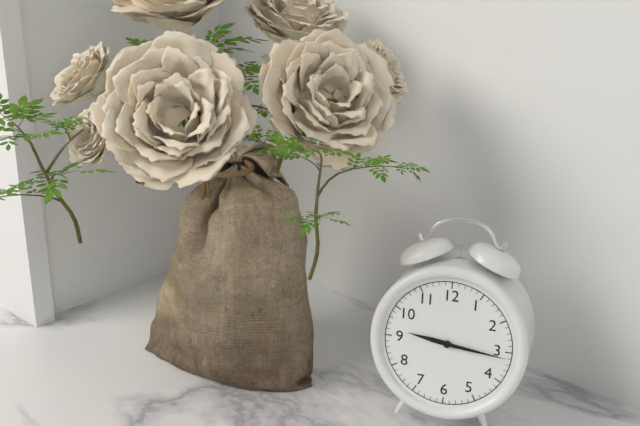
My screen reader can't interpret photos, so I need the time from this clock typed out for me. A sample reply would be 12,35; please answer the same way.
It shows 9,16
